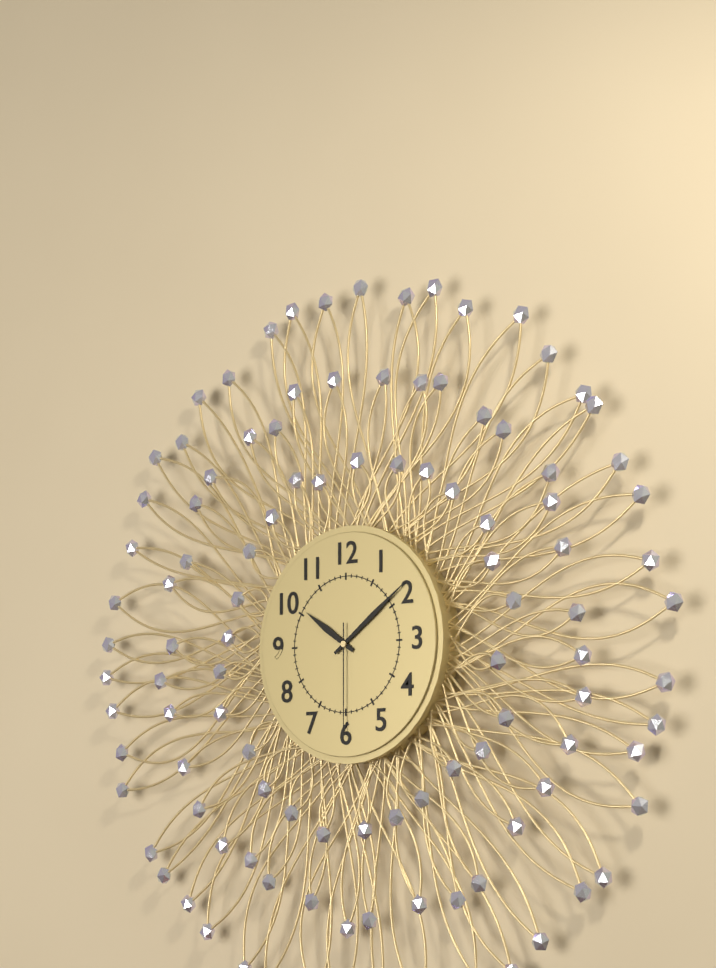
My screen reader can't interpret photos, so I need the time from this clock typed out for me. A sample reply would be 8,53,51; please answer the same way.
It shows 10,09,30
